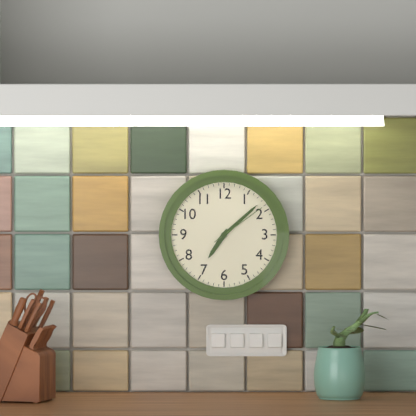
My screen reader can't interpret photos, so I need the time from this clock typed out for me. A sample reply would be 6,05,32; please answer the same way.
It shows 7,08,09
